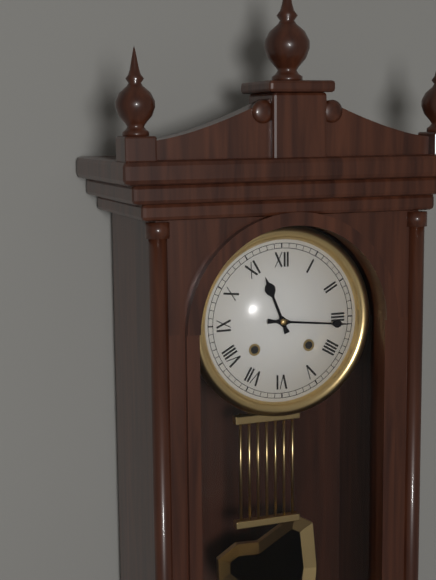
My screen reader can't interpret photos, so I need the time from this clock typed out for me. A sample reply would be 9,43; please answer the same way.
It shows 11,16
